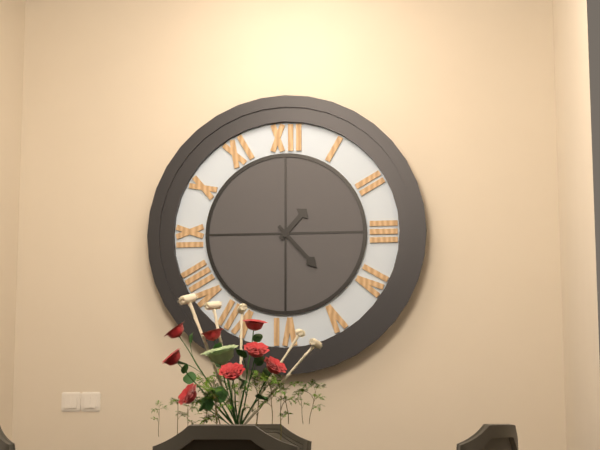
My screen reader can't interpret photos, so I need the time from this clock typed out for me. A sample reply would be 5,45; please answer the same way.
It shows 1,23
